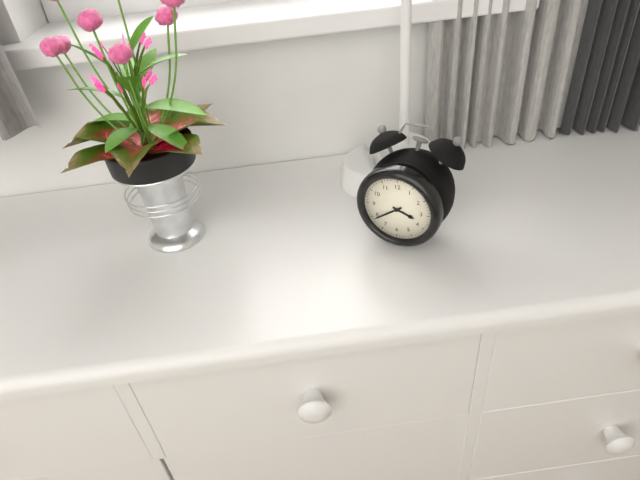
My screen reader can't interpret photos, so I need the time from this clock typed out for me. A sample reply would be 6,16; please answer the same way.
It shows 3,39
